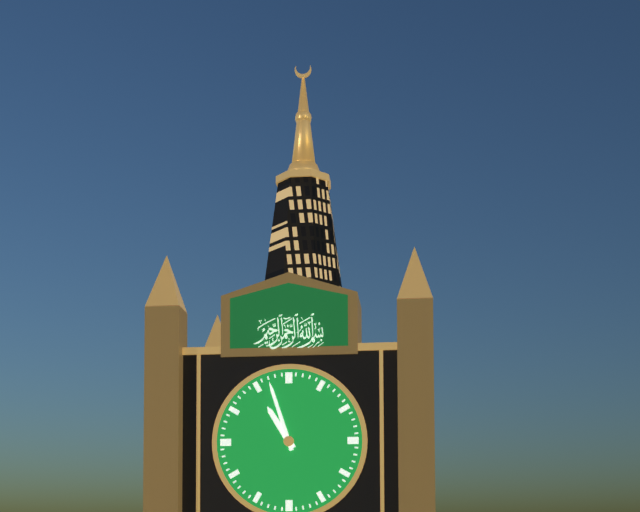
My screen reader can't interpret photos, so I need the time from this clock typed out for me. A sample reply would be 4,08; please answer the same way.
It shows 10,57
